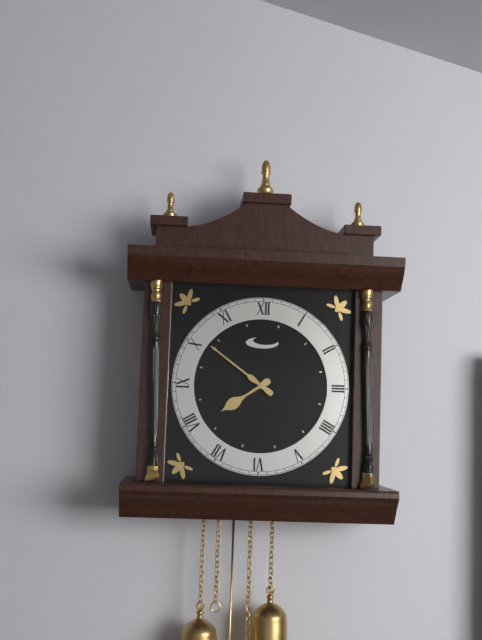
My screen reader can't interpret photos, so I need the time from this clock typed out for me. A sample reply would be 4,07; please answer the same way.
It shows 7,51
